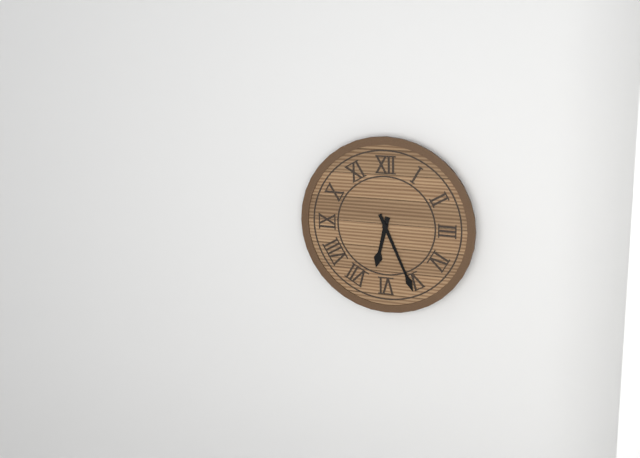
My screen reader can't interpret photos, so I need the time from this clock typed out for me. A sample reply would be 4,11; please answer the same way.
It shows 6,26
